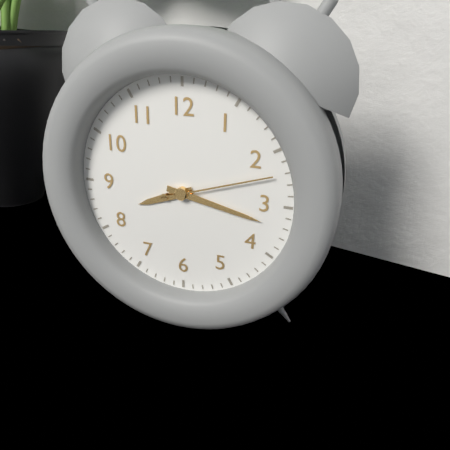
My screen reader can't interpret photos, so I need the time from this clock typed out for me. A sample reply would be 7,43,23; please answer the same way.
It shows 8,17,12
